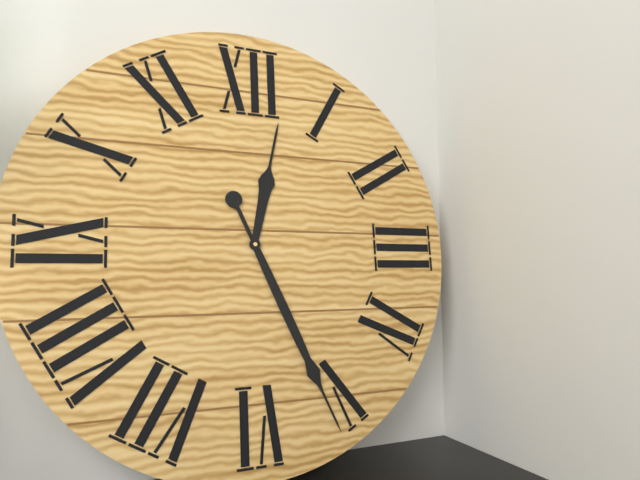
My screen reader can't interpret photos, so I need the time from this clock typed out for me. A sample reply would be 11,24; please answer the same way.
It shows 12,26
